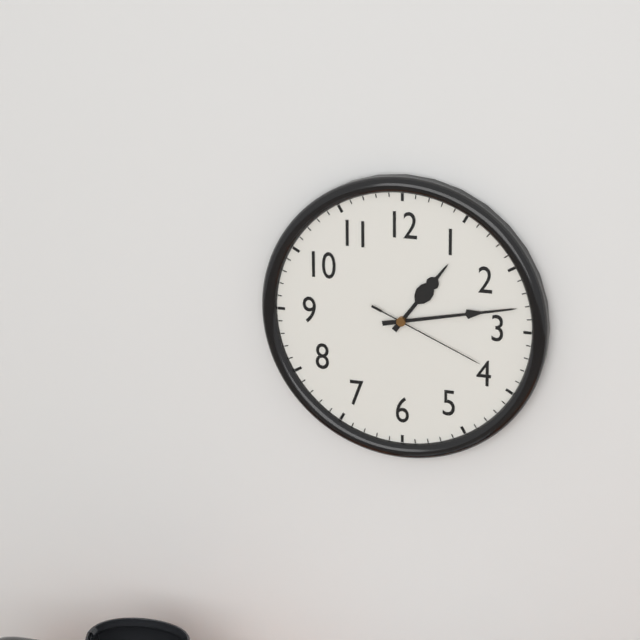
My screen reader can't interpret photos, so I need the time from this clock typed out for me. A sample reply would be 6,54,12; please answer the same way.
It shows 1,13,19
